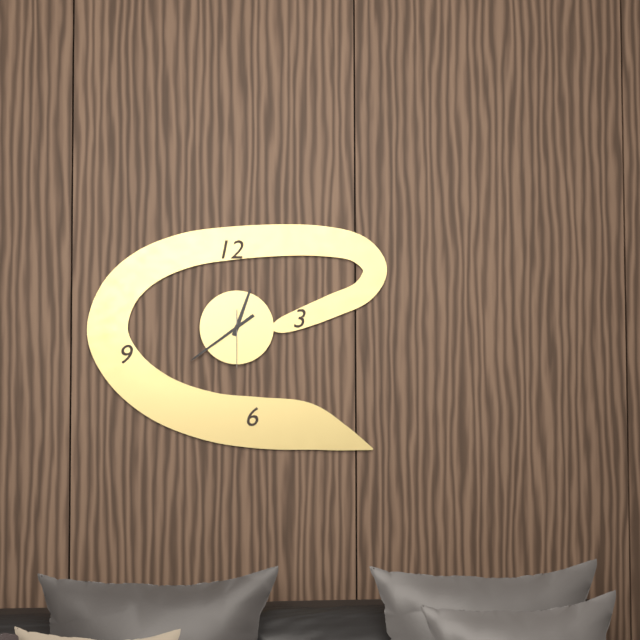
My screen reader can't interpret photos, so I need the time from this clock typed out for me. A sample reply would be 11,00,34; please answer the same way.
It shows 12,39,30
